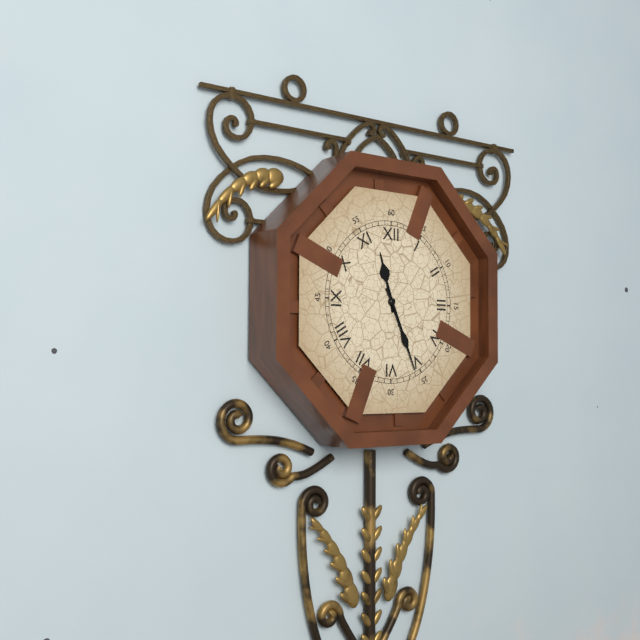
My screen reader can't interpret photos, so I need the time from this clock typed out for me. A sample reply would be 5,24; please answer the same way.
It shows 11,26
